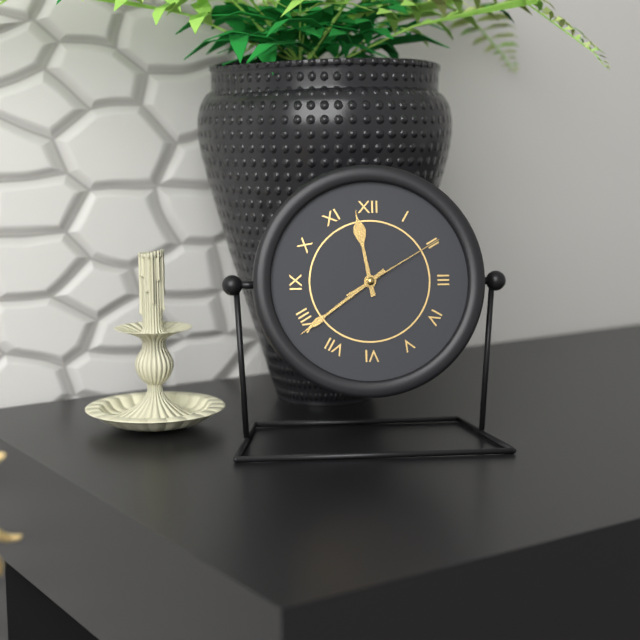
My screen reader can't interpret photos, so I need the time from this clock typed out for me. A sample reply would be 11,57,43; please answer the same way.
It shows 11,39,10
